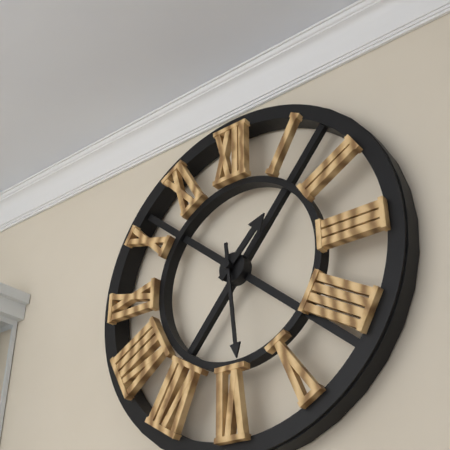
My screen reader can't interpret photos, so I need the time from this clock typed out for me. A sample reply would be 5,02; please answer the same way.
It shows 1,29
